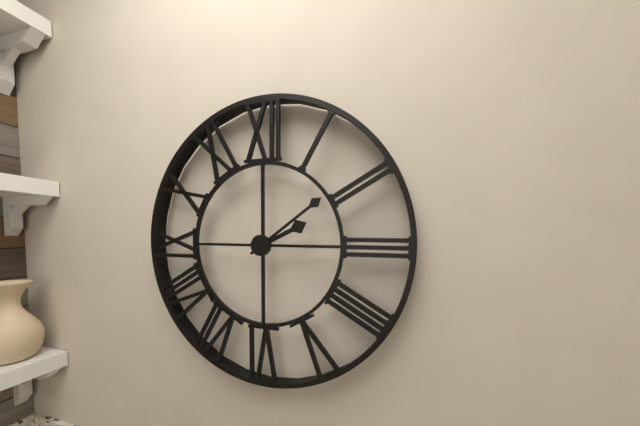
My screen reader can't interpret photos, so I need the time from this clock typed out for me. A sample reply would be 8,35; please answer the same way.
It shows 2,09
